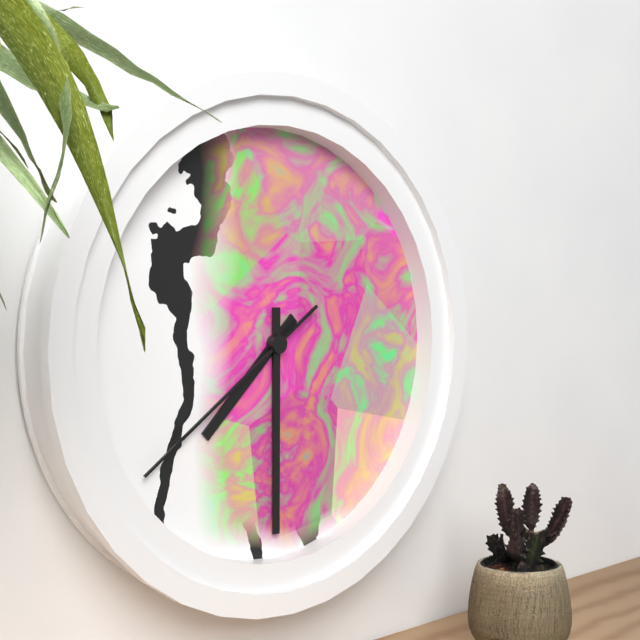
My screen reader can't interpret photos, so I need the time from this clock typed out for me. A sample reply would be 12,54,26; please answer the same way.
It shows 7,30,39
